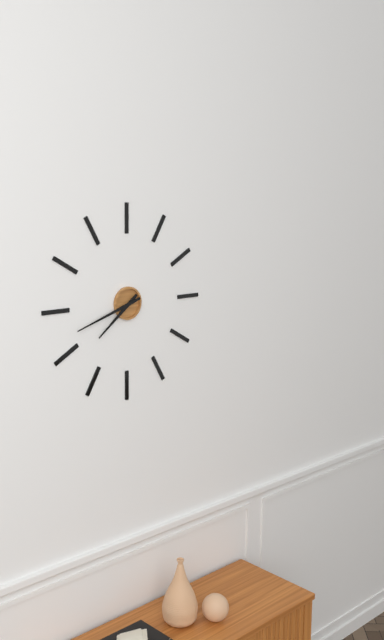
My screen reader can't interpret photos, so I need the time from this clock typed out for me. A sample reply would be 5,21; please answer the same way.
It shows 7,42
